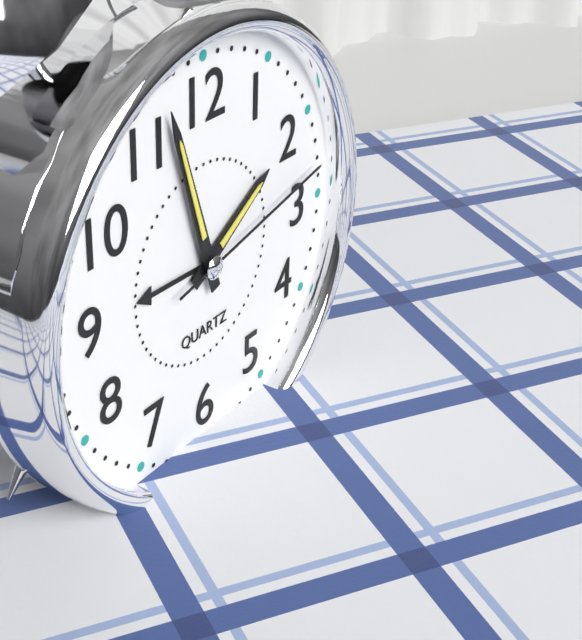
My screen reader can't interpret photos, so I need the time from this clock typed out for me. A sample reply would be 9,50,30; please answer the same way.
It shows 1,57,13
